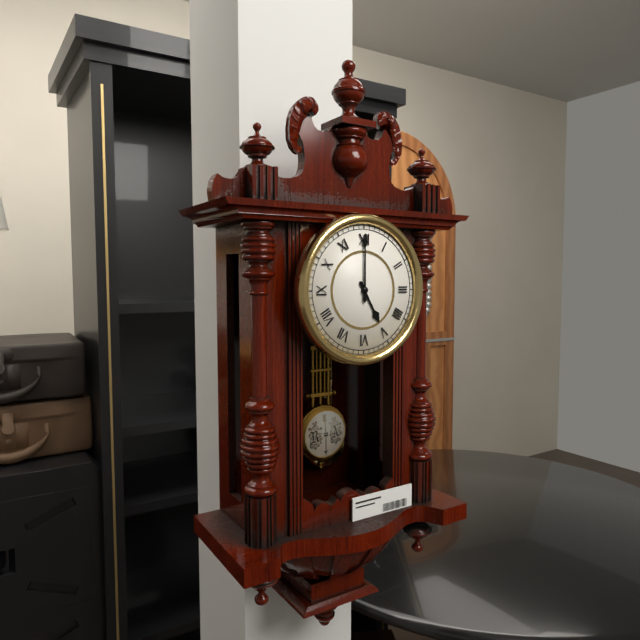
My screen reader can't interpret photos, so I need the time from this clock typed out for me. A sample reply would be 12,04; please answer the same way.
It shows 5,00
